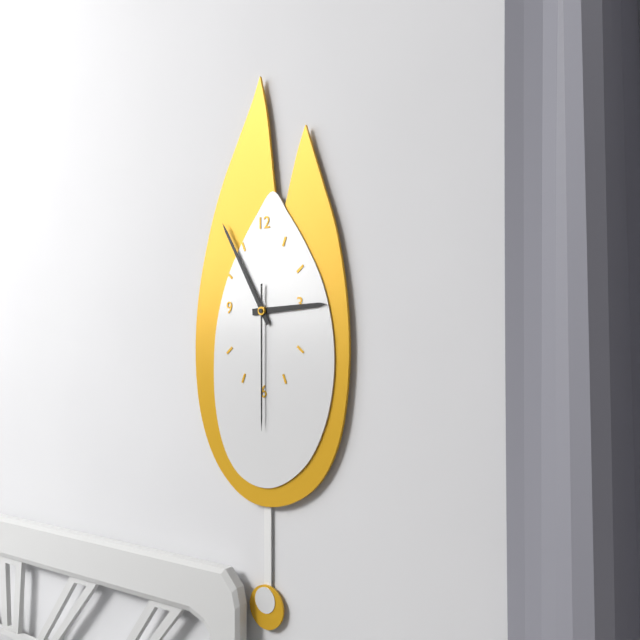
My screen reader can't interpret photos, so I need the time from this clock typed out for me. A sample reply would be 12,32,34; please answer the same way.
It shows 2,55,30
